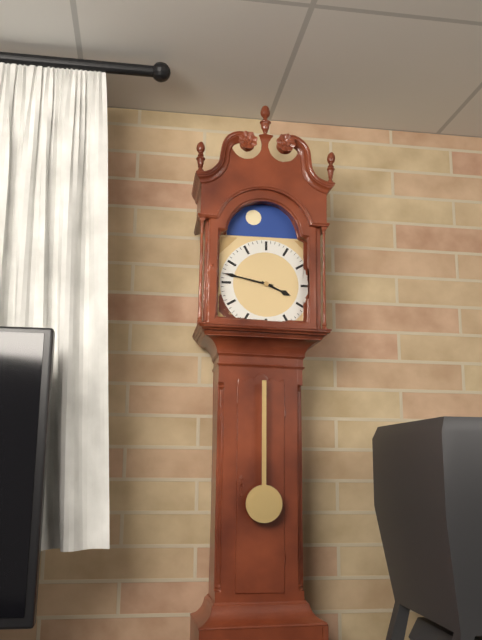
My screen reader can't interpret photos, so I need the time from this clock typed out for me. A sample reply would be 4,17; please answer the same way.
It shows 3,47
